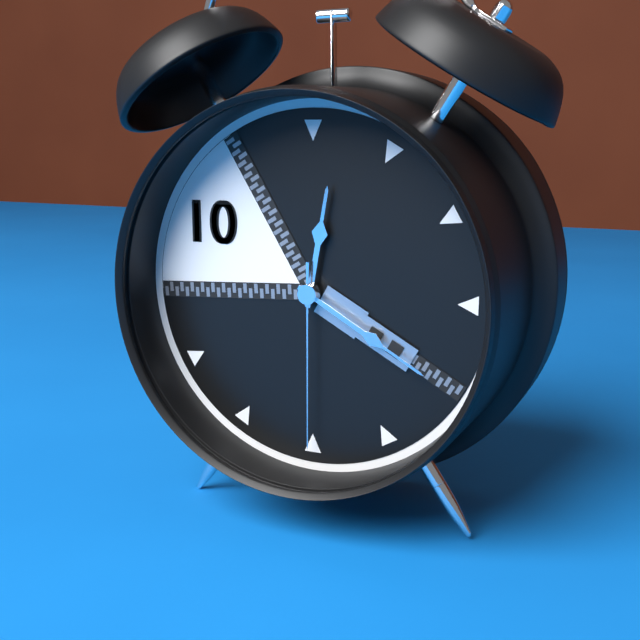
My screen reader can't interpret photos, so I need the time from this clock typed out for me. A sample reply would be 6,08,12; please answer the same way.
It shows 12,20,30
